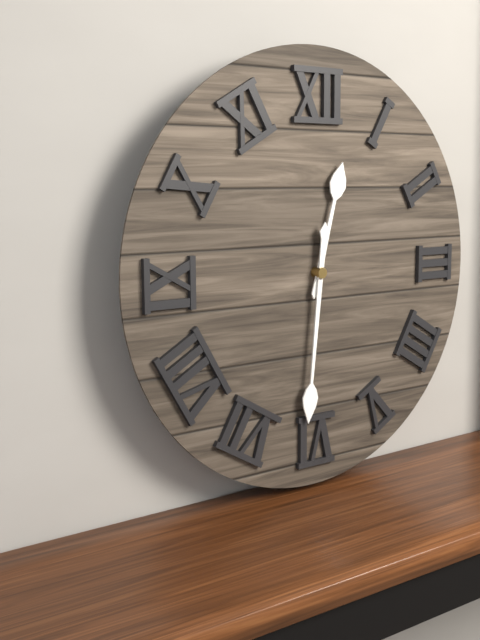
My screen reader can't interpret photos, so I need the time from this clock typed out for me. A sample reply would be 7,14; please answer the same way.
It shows 12,31
